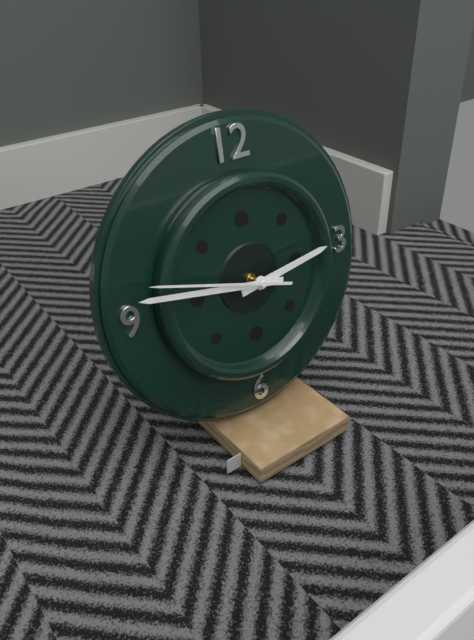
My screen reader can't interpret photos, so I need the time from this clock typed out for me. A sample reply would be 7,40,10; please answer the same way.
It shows 2,47,48
